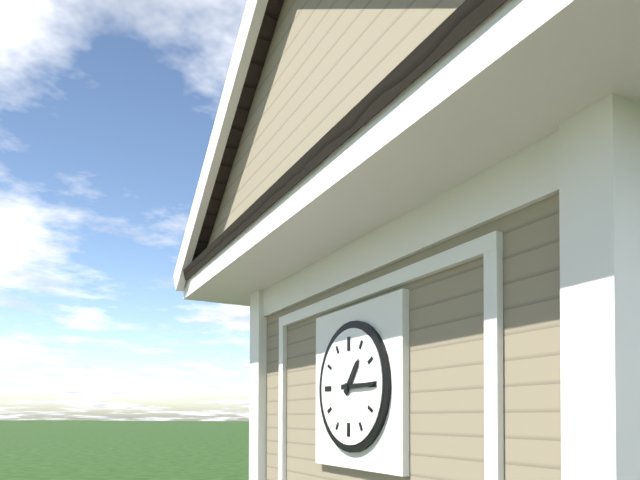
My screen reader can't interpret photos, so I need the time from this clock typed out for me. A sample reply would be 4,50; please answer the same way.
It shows 1,15
